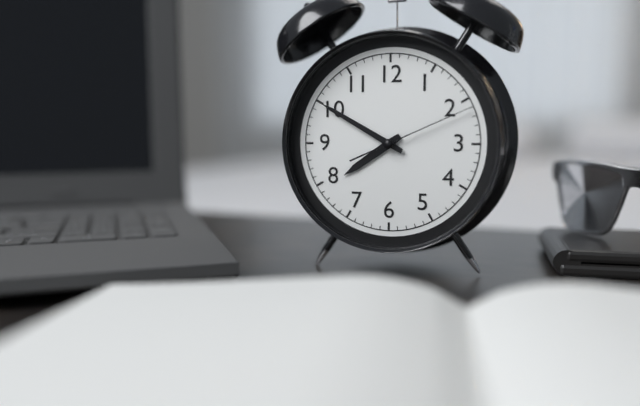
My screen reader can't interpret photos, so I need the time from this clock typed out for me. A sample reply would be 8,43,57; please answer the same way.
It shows 7,50,11
